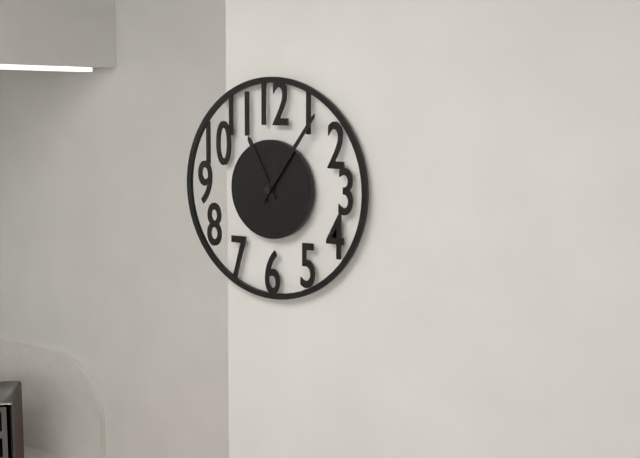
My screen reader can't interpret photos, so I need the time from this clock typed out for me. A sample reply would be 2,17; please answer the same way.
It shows 11,06
